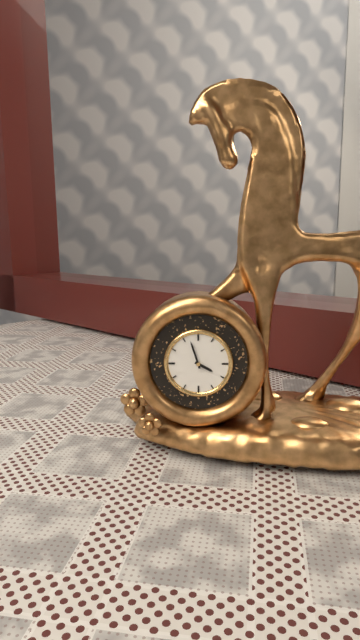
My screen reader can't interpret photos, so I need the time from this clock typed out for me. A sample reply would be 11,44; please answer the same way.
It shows 3,57
